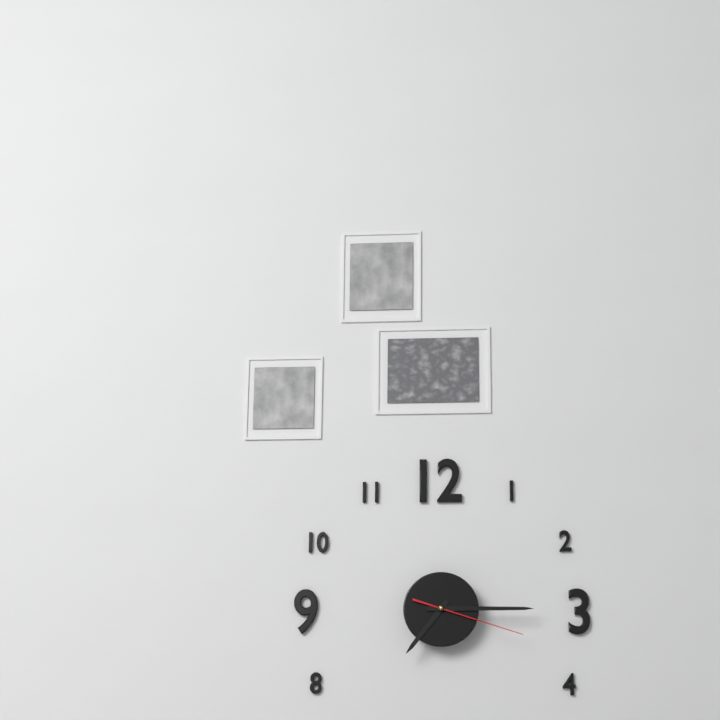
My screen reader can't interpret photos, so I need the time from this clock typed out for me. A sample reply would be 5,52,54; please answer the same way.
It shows 7,15,18
